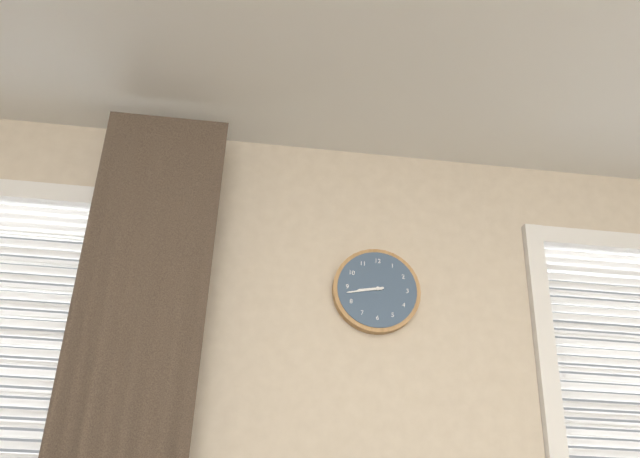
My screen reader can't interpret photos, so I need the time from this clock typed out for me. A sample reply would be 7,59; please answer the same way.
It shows 8,43
